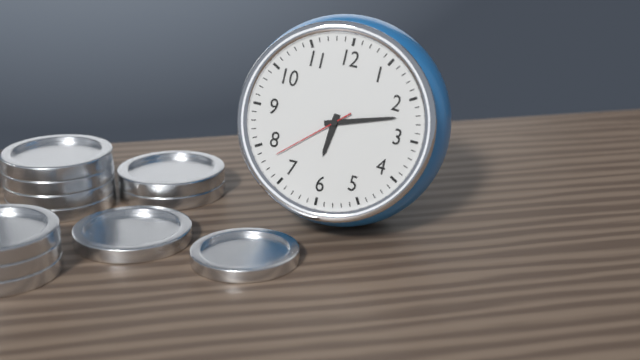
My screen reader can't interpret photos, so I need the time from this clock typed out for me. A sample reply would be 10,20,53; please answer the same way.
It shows 6,12,38
